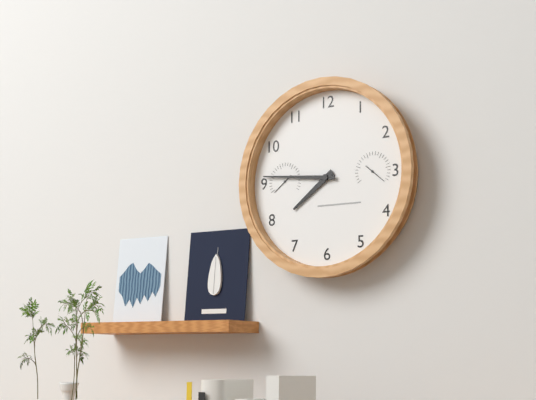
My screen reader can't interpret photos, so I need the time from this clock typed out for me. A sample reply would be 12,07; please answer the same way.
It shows 7,46
